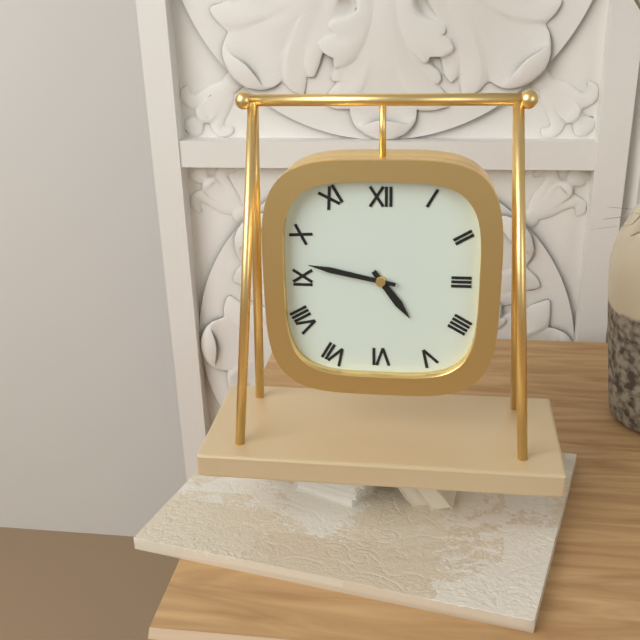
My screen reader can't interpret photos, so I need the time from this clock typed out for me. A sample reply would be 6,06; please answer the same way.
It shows 4,47
